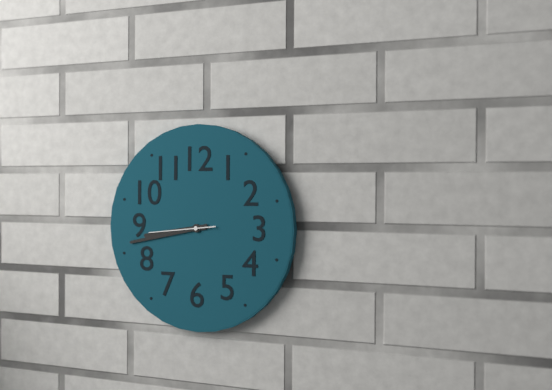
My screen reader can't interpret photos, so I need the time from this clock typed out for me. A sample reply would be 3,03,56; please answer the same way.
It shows 8,43,44
